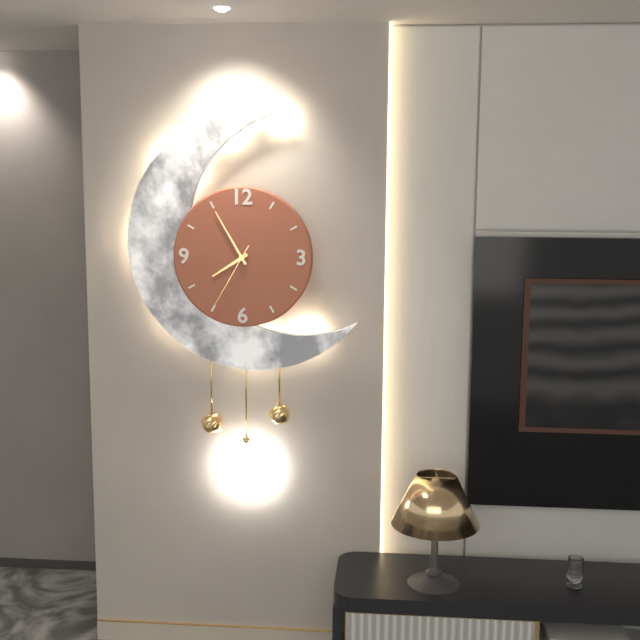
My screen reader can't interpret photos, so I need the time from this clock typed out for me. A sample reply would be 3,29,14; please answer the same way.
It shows 7,55,35
